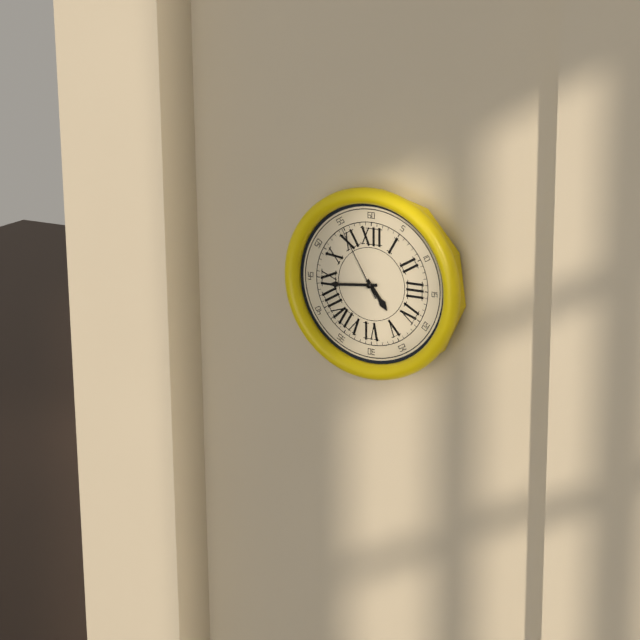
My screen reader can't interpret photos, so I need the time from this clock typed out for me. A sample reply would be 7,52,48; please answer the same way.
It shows 4,44,55
